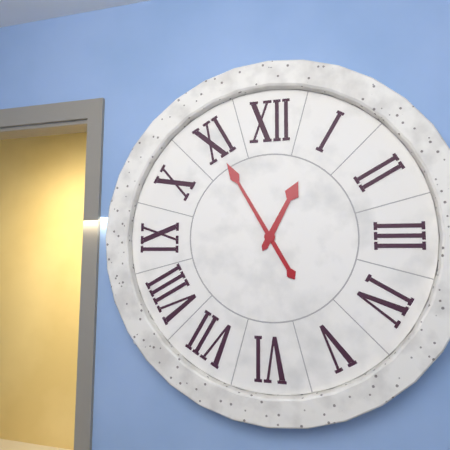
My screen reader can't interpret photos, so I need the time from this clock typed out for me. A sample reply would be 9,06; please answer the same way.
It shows 12,55
